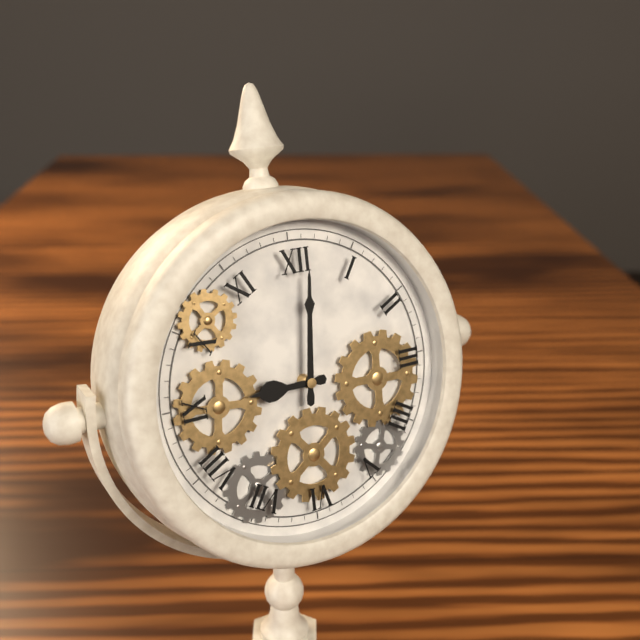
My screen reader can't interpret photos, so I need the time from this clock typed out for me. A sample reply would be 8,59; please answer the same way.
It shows 9,01
